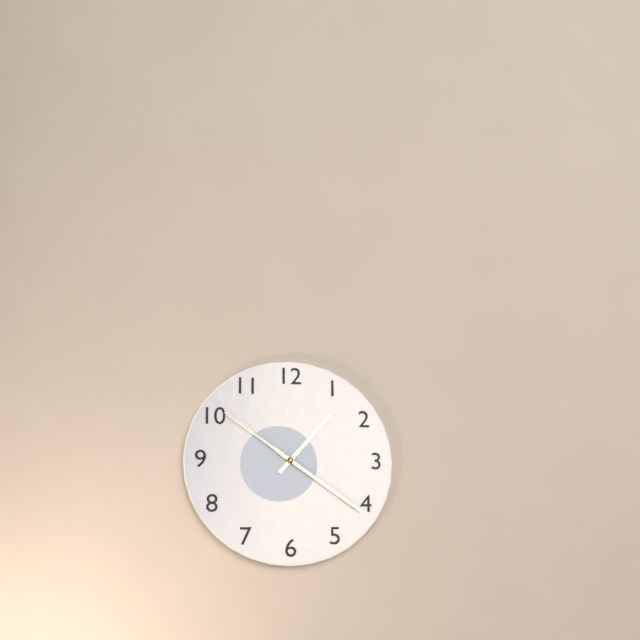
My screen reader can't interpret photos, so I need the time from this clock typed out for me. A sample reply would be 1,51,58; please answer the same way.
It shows 1,21,51
